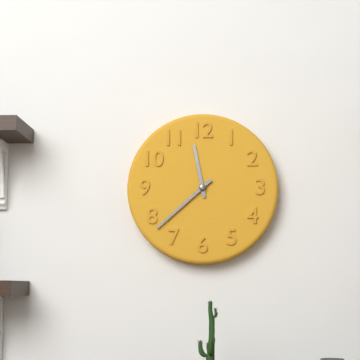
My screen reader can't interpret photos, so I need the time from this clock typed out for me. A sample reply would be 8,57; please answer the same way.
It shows 11,38
